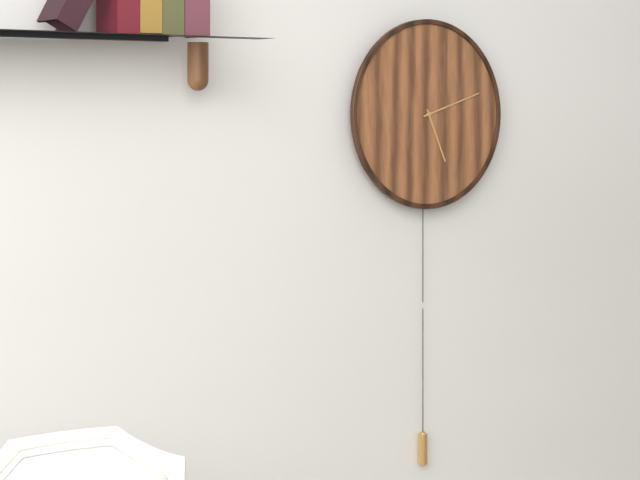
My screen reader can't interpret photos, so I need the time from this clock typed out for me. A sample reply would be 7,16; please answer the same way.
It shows 5,12
